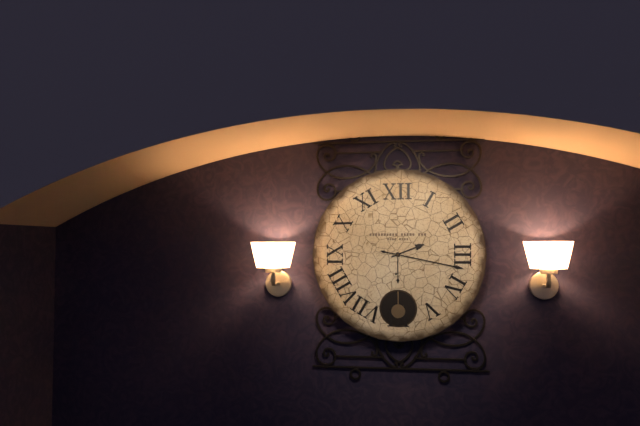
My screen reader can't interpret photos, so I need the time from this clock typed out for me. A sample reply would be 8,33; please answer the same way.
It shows 2,17
